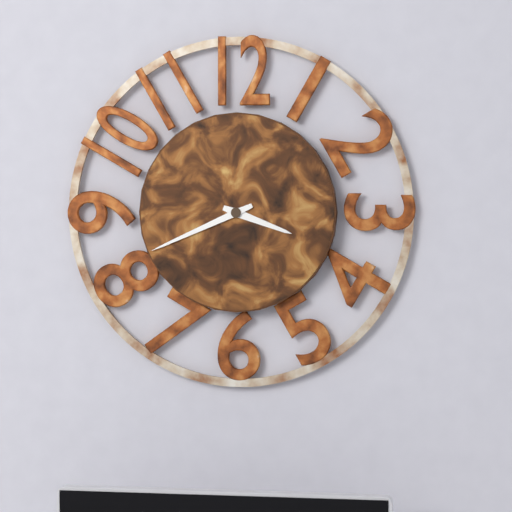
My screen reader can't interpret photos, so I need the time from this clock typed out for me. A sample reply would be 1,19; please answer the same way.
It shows 3,41
